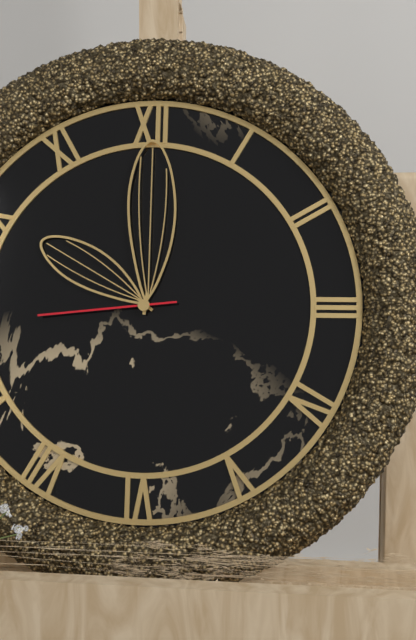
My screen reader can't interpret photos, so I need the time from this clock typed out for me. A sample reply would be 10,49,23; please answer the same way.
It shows 10,00,44
